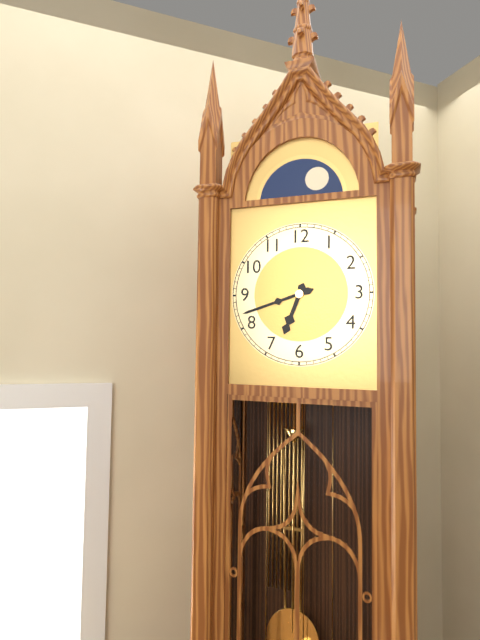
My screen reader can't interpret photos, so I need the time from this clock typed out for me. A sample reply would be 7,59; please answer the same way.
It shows 6,42
